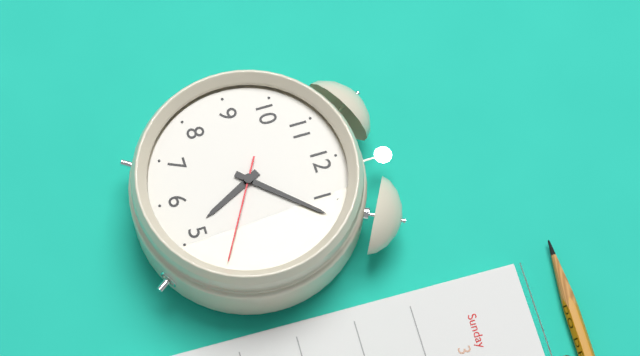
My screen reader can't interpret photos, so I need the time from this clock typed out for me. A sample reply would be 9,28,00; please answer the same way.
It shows 5,07,20
